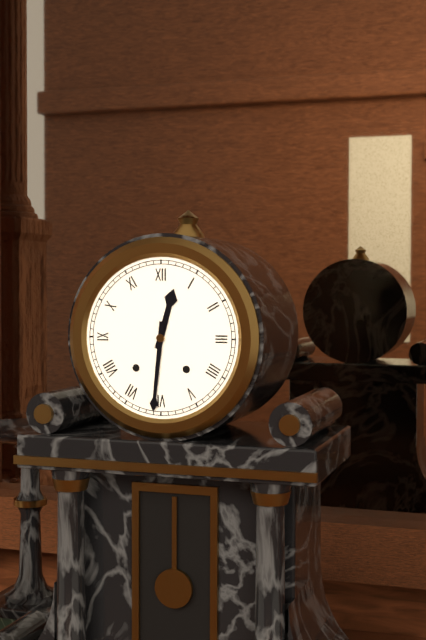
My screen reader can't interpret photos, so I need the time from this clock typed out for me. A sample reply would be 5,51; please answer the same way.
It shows 12,31
